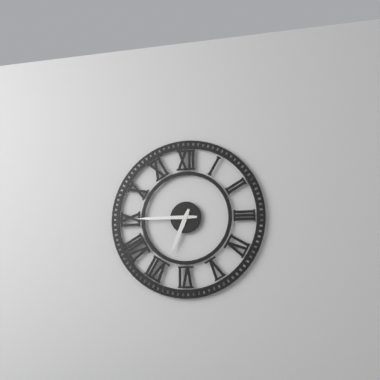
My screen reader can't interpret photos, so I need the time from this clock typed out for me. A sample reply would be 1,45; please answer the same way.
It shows 6,45
